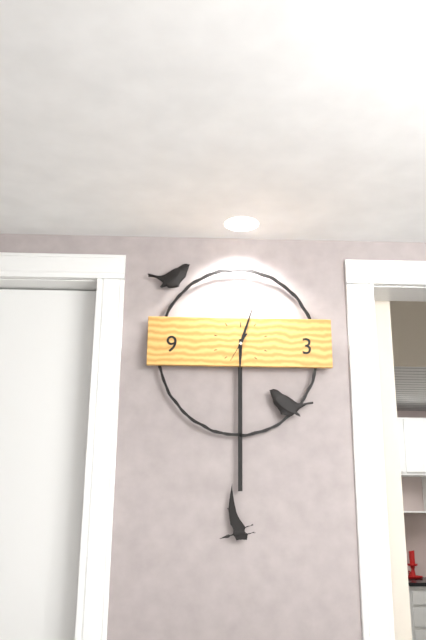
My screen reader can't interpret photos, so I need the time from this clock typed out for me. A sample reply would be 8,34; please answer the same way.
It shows 6,03
